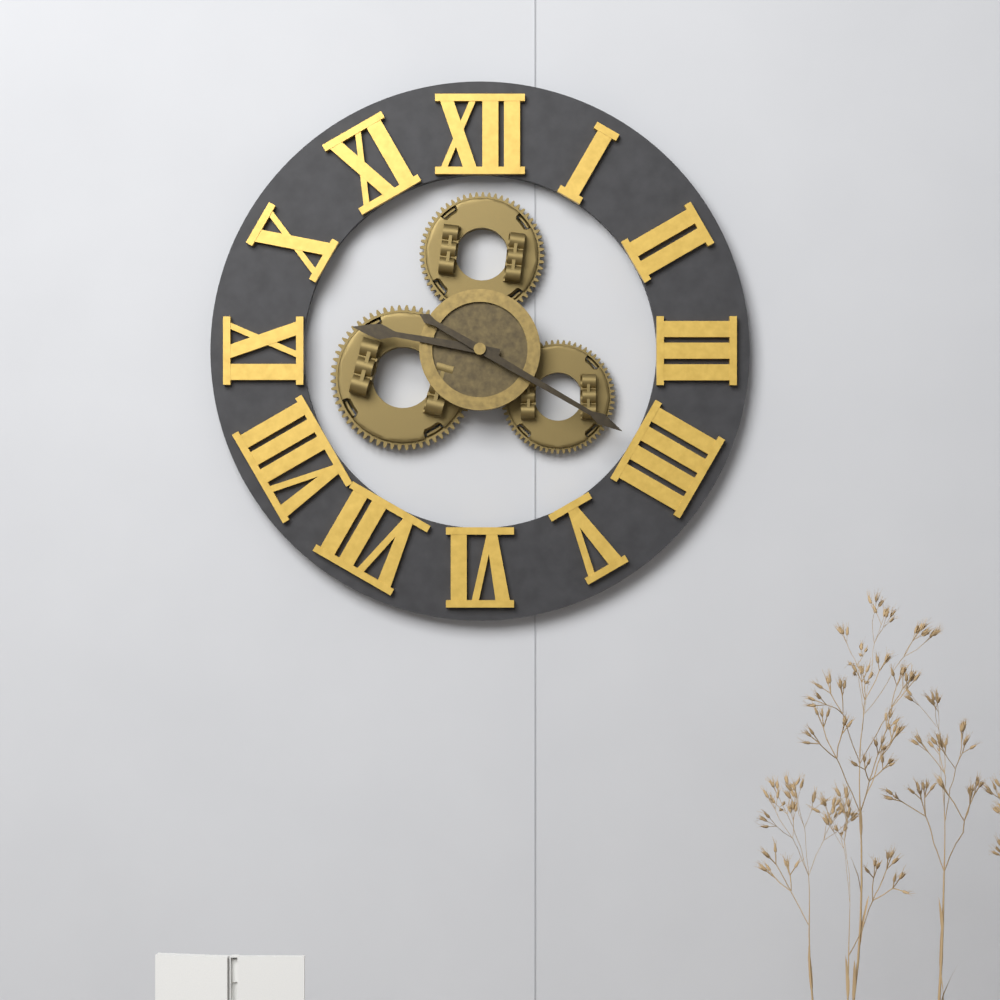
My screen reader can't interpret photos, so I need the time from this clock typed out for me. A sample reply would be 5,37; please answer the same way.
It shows 9,20
